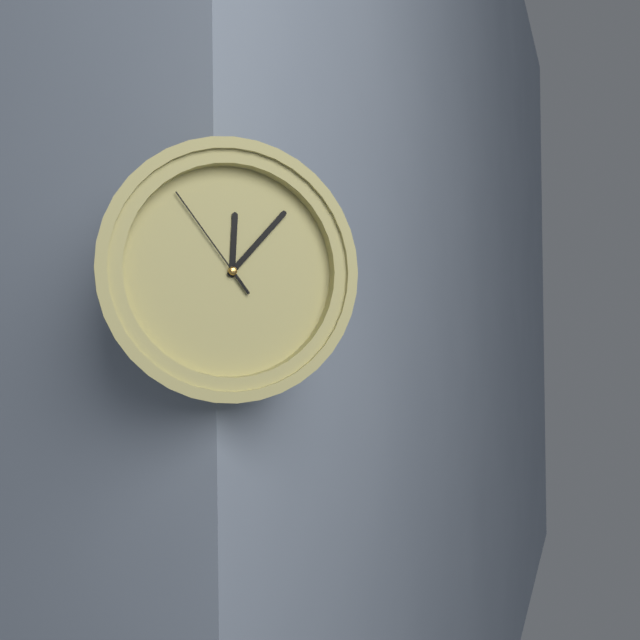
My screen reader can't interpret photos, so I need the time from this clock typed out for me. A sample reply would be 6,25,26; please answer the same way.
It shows 12,07,54
